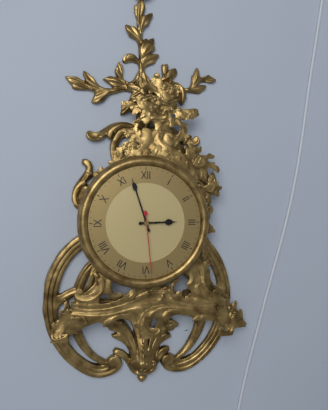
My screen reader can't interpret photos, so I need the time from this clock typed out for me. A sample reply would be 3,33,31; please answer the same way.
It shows 2,57,29
